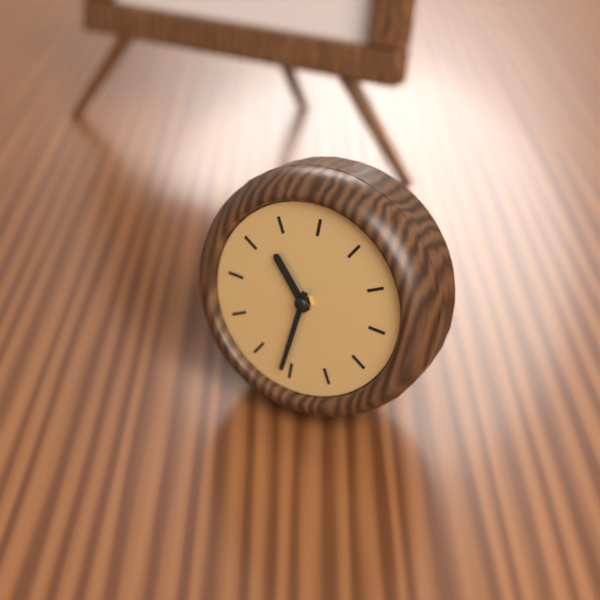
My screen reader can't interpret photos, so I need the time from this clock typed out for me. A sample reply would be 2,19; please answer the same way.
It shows 10,31
